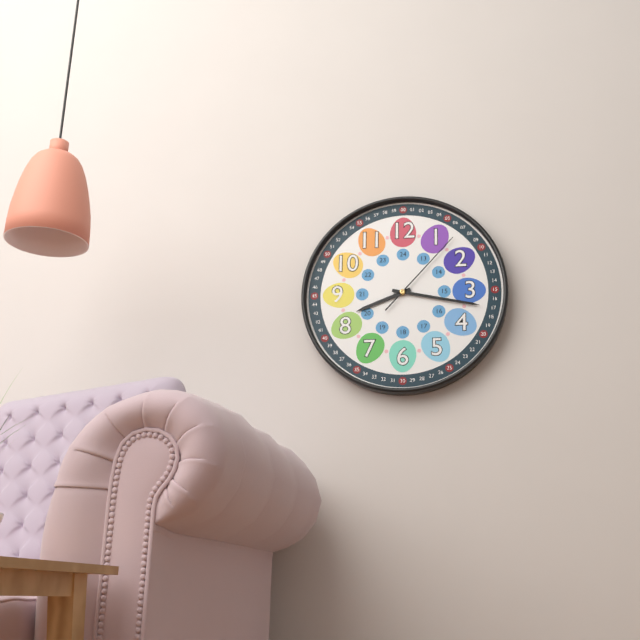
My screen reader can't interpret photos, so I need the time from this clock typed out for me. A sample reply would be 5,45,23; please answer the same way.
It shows 8,17,07
